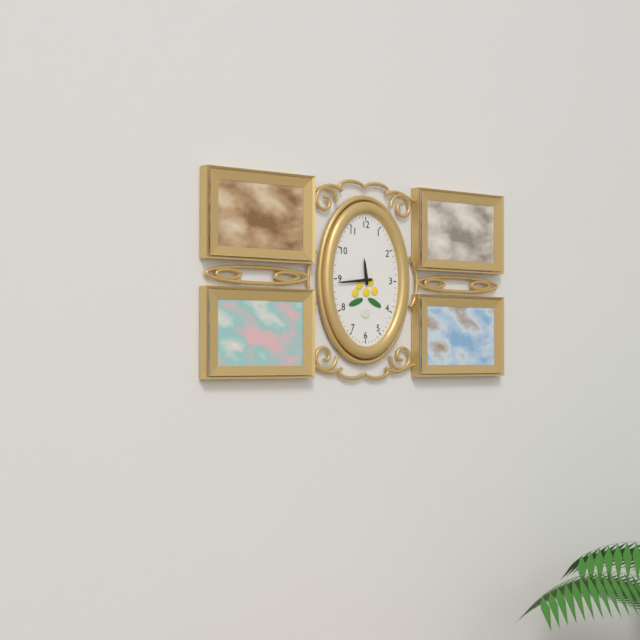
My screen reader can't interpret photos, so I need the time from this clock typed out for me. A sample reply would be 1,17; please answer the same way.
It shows 11,44
